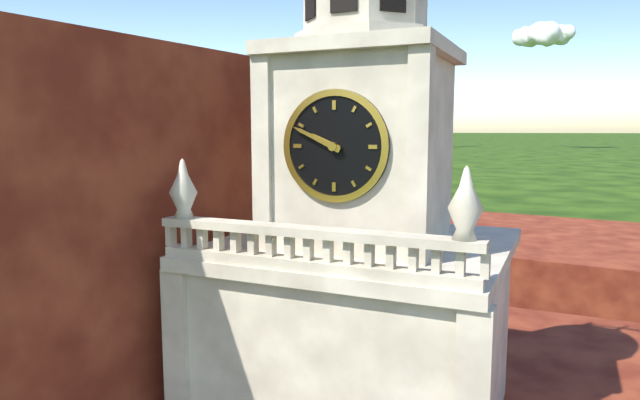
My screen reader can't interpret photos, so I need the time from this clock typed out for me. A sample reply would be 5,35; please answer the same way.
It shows 9,49
